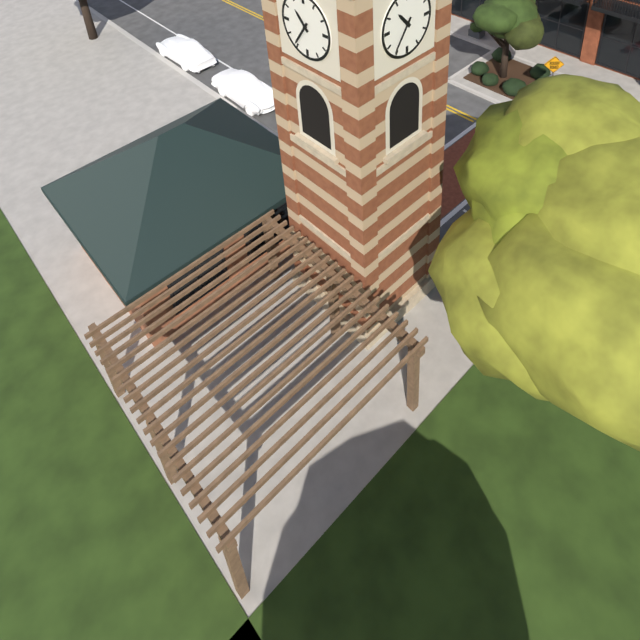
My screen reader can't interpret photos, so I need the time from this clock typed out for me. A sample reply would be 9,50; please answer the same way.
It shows 10,36
